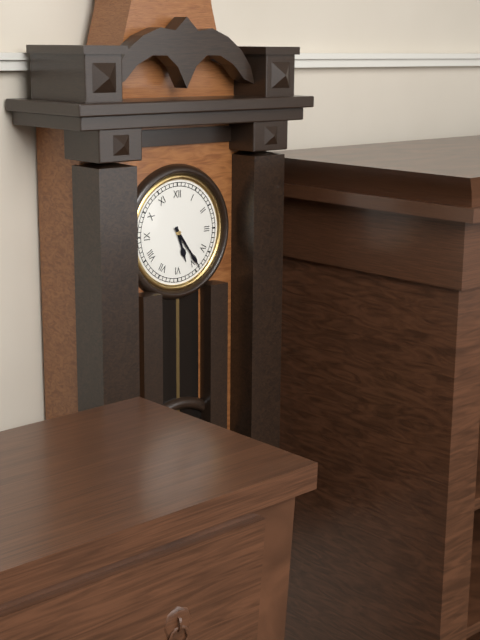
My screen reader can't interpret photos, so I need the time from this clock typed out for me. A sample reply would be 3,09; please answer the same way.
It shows 5,24
